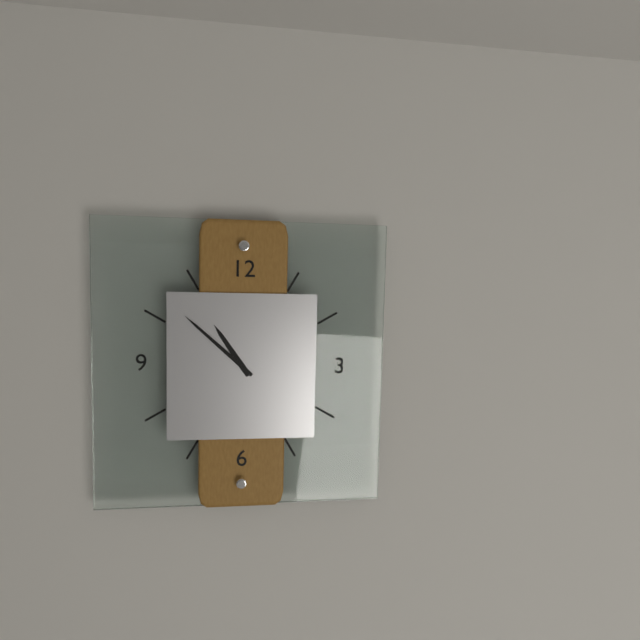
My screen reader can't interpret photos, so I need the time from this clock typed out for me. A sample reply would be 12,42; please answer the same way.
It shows 10,52
